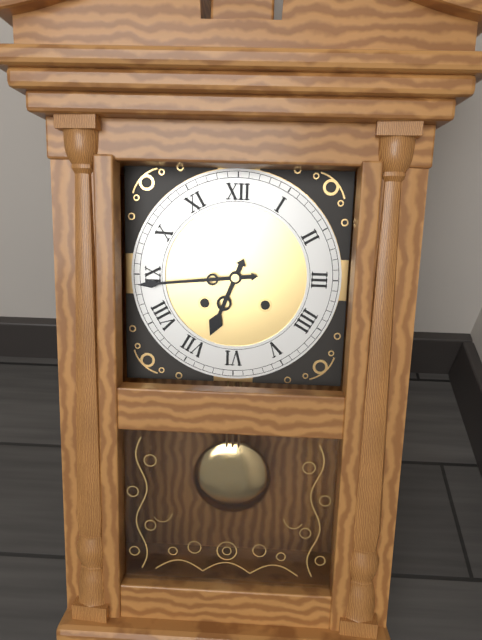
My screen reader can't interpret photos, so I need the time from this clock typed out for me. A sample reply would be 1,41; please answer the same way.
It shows 6,44
